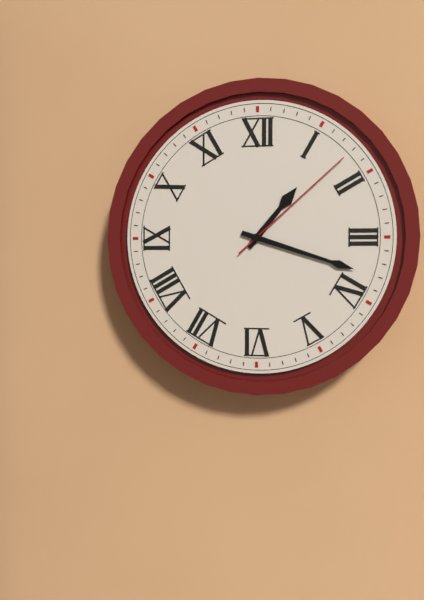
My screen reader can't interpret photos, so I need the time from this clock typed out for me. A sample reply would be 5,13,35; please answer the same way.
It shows 1,18,08
